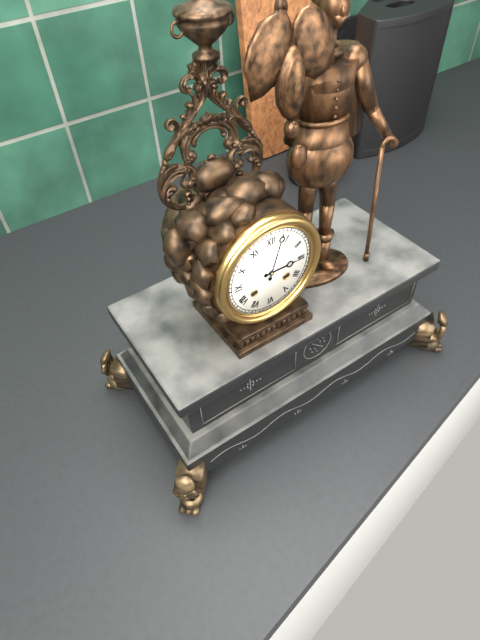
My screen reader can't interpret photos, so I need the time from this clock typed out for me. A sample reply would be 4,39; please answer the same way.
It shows 3,03
